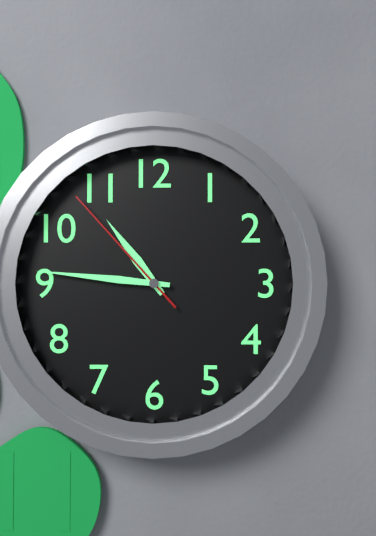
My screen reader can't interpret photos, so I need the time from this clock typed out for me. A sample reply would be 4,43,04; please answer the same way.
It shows 10,46,53
